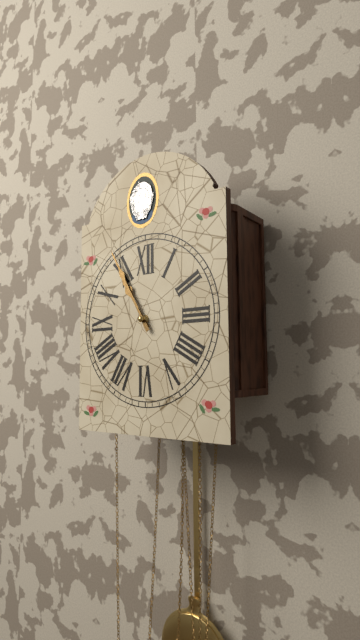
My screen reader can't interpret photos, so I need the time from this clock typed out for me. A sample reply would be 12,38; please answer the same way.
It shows 10,55
